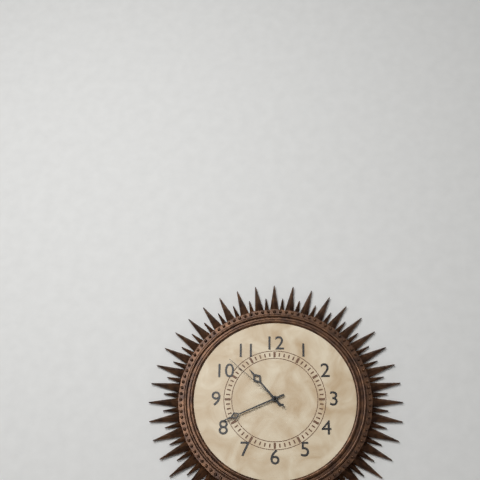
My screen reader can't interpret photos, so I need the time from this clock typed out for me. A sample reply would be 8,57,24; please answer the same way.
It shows 10,41,52
